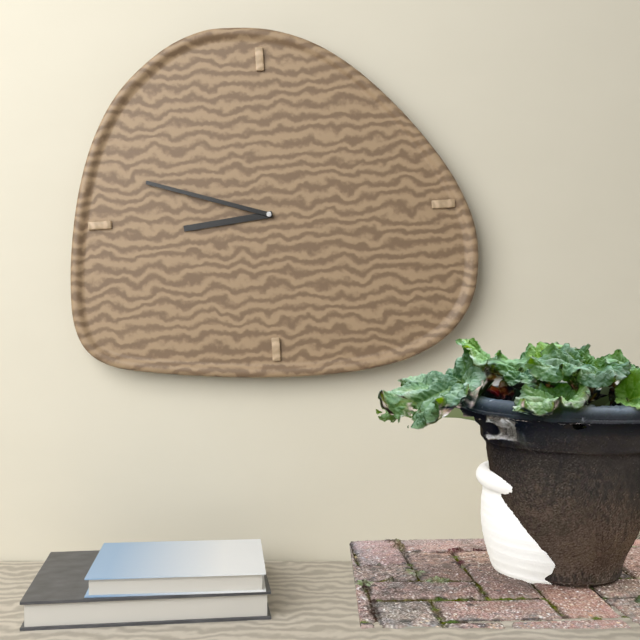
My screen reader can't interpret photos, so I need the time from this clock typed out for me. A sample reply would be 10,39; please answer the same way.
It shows 8,48
